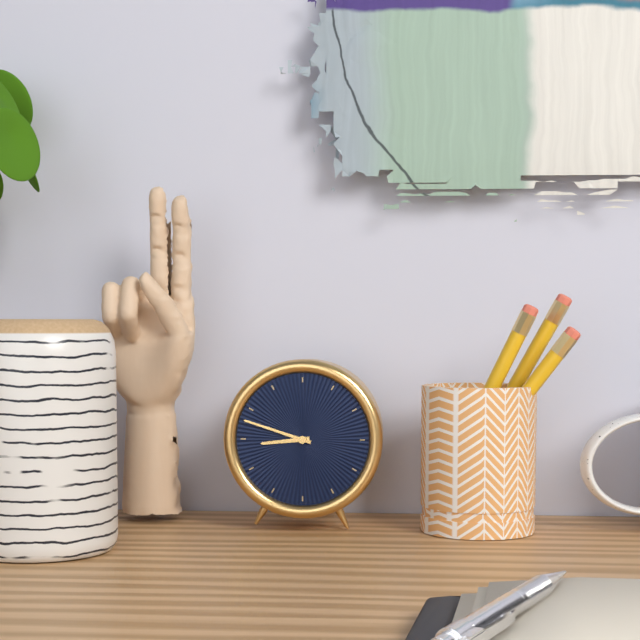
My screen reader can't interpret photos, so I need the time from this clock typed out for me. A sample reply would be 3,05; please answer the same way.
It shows 8,48
